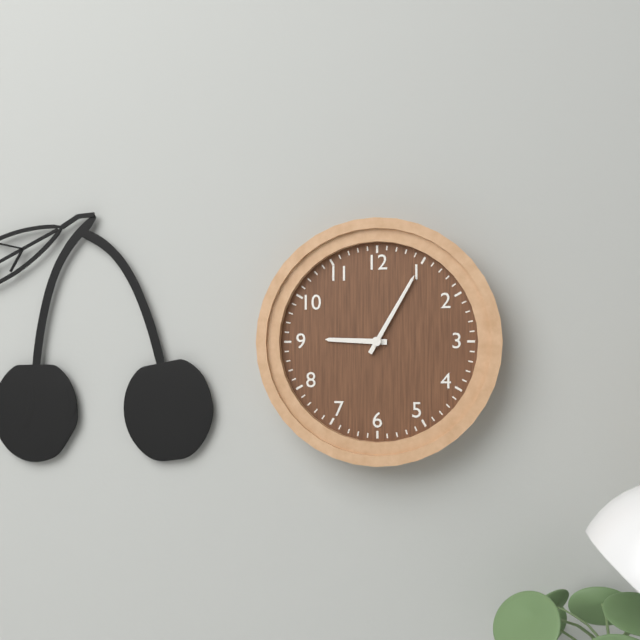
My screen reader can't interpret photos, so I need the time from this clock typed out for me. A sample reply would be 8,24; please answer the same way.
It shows 9,05
